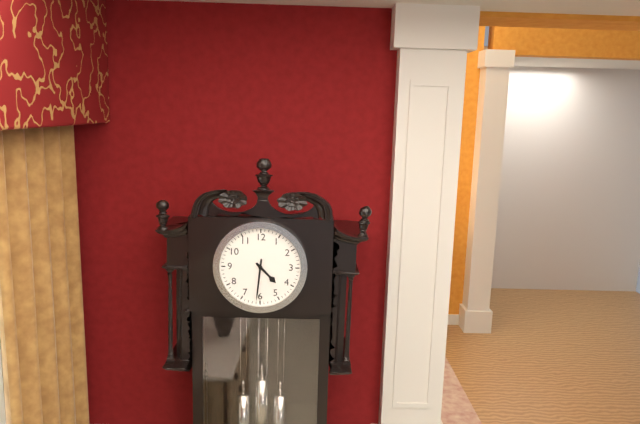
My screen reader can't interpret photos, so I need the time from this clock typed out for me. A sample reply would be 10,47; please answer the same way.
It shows 4,31
